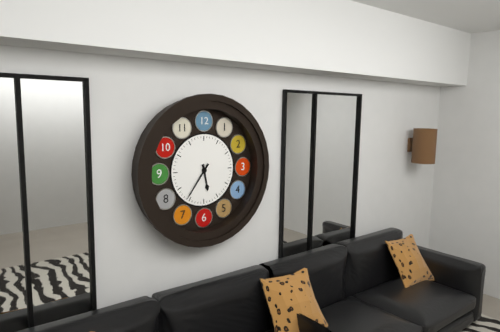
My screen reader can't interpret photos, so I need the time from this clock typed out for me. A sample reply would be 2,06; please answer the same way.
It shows 5,36
